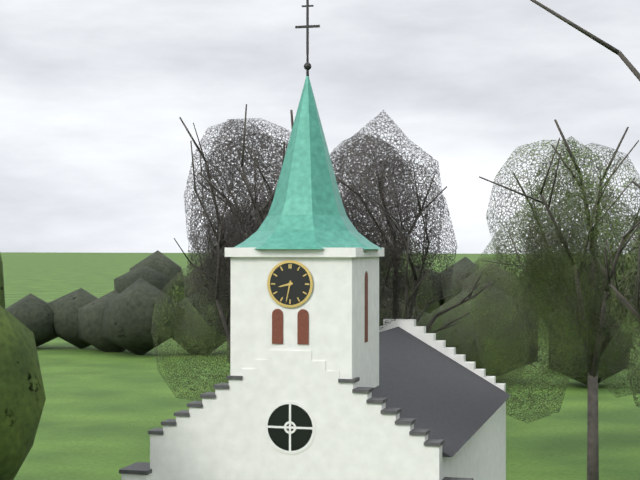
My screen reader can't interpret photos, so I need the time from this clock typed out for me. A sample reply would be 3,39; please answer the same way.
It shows 8,32
